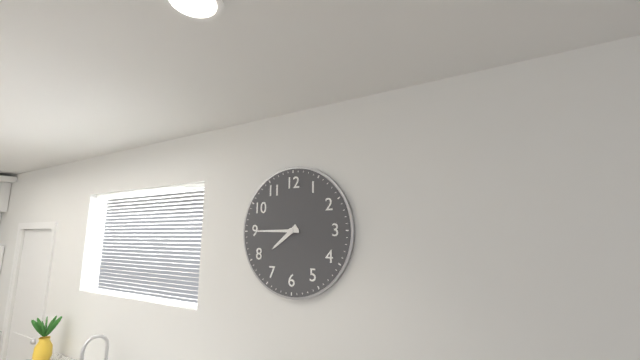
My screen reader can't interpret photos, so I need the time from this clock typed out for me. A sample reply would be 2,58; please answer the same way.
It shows 7,45
